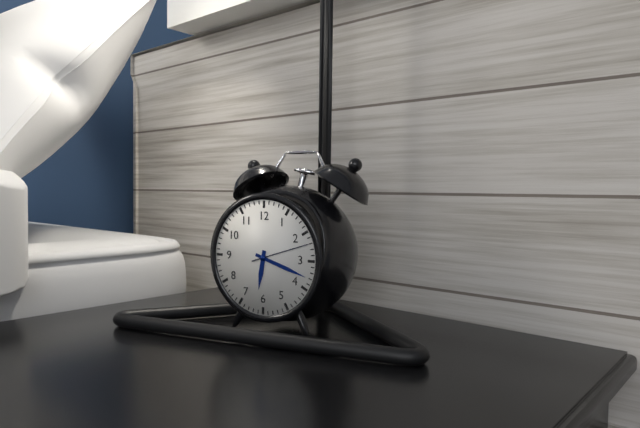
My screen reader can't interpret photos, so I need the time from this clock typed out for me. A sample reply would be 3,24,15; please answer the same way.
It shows 6,18,12
